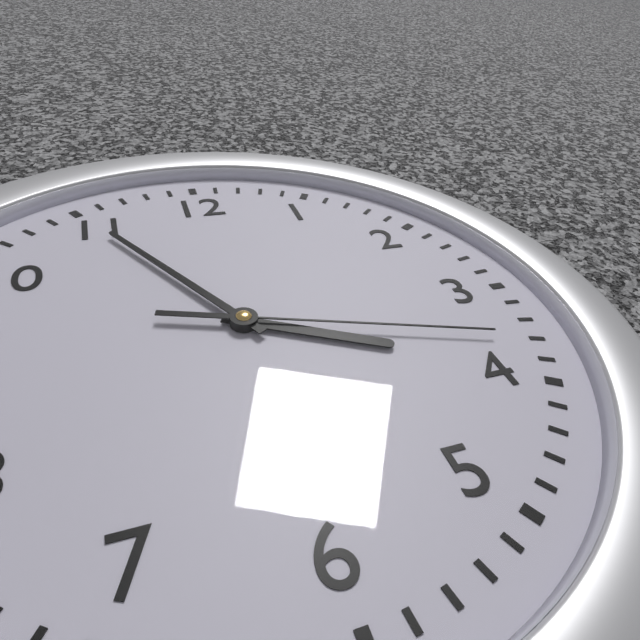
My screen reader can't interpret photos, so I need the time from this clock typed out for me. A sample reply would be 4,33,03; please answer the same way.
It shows 3,55,18
